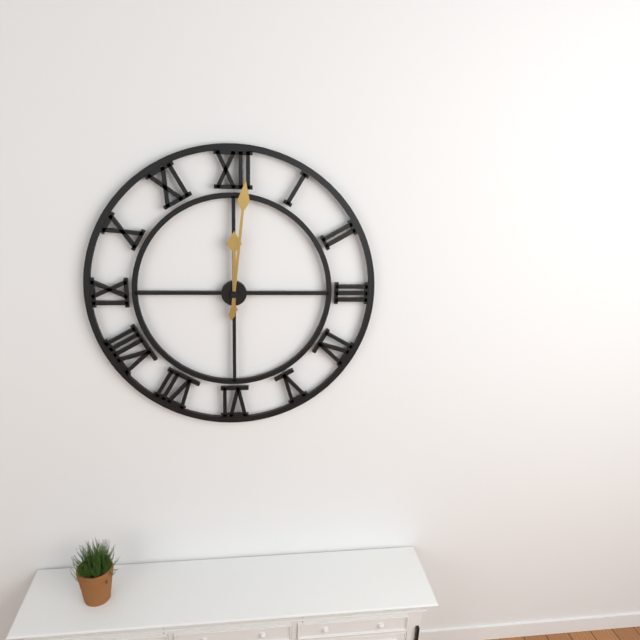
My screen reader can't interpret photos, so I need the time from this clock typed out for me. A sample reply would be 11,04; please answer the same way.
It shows 12,01
